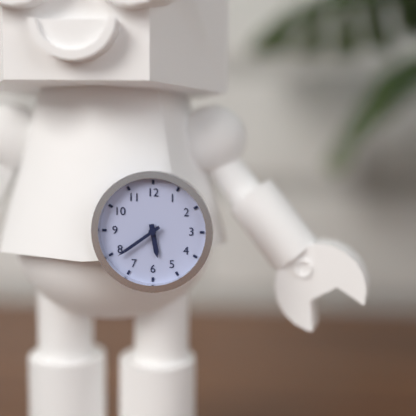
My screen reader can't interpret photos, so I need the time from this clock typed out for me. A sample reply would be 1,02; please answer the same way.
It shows 5,39
